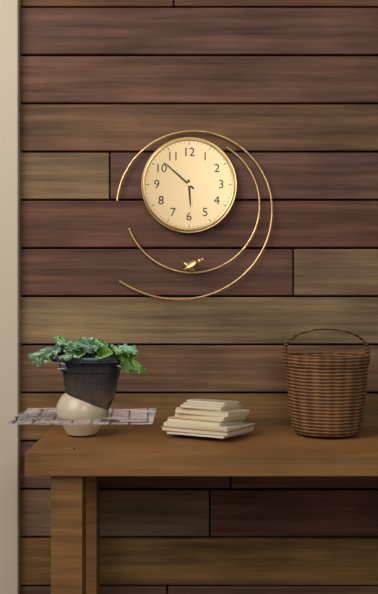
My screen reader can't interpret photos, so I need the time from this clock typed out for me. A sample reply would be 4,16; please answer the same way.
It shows 5,52
